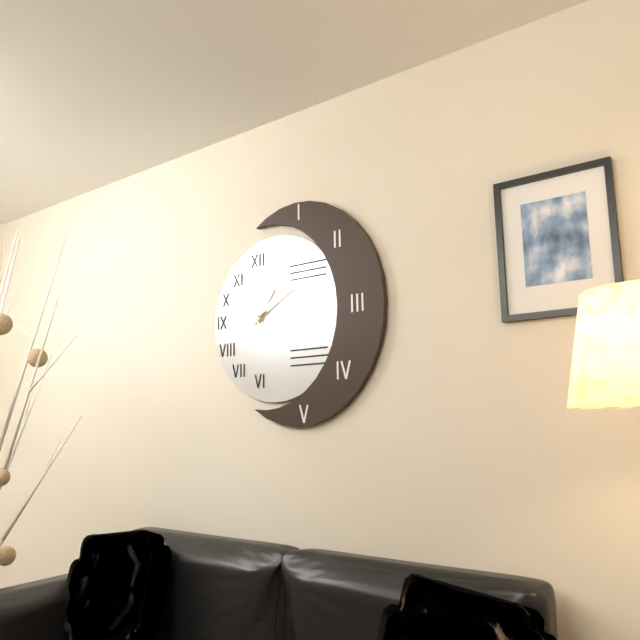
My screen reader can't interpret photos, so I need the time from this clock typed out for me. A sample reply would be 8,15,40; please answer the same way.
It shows 1,10,55
